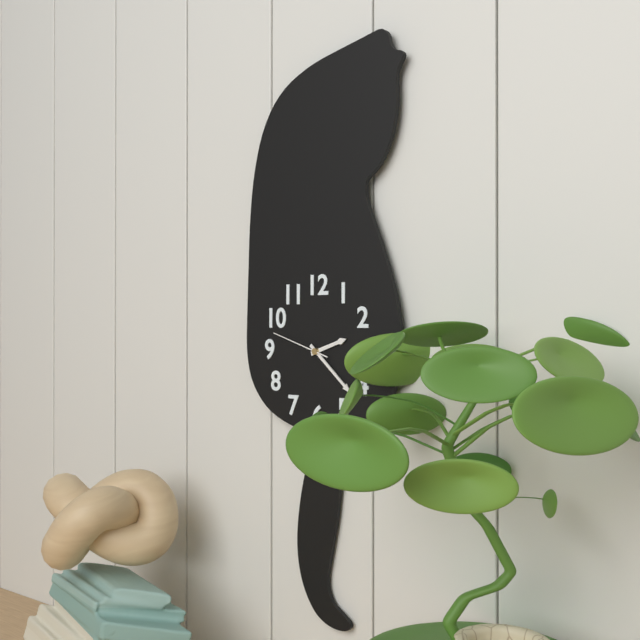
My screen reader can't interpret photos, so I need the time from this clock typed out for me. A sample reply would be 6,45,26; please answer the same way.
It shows 2,22,48
